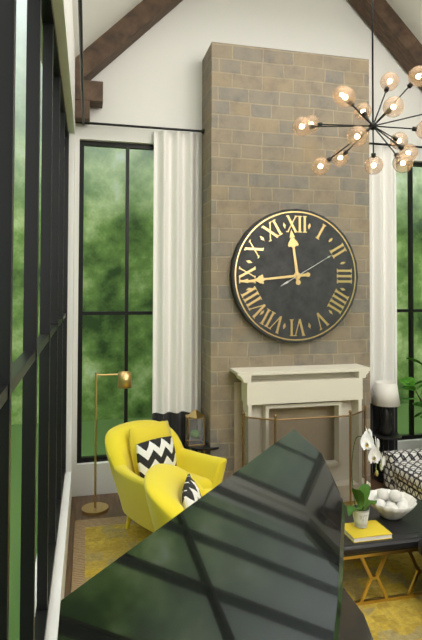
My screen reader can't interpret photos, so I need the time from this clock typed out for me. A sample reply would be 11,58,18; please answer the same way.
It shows 11,44,10
